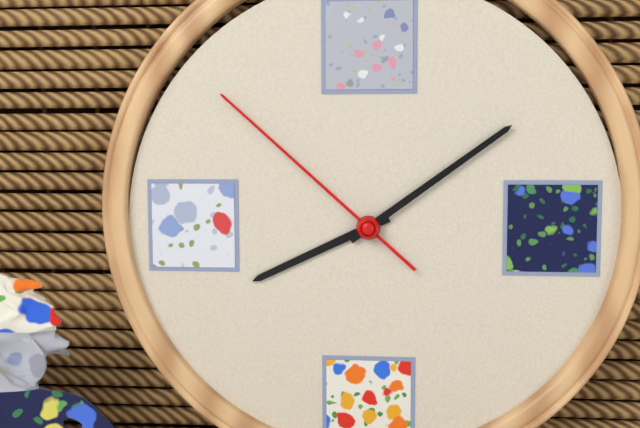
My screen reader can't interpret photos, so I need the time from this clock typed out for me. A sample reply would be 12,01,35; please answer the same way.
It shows 8,09,52
